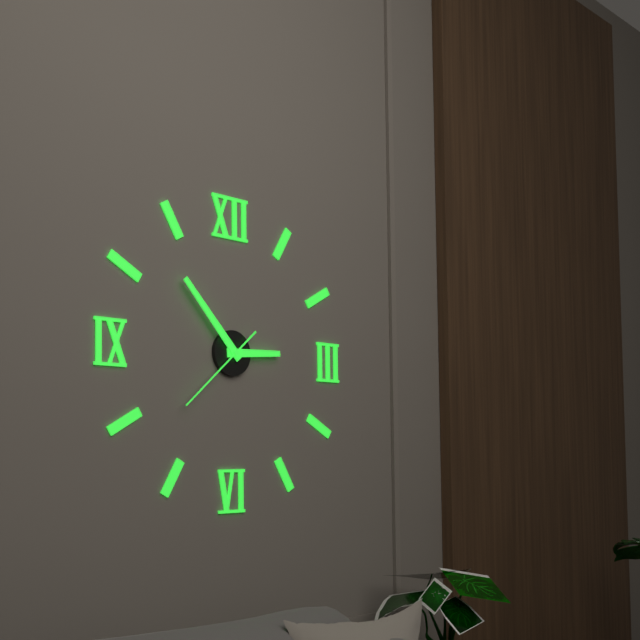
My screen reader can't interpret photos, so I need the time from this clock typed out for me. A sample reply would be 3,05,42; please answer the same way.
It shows 2,53,38
